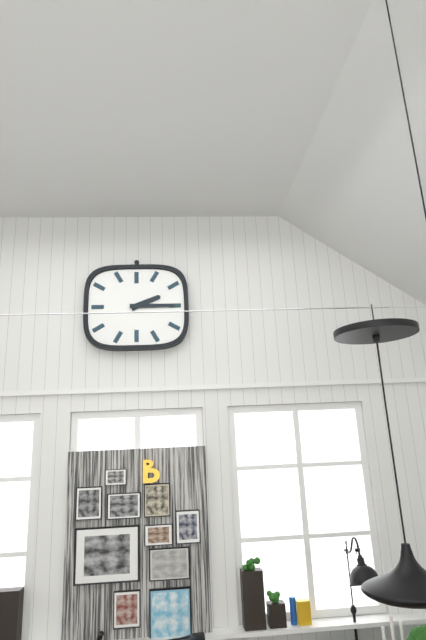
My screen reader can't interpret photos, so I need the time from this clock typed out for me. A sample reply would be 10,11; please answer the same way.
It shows 2,15
